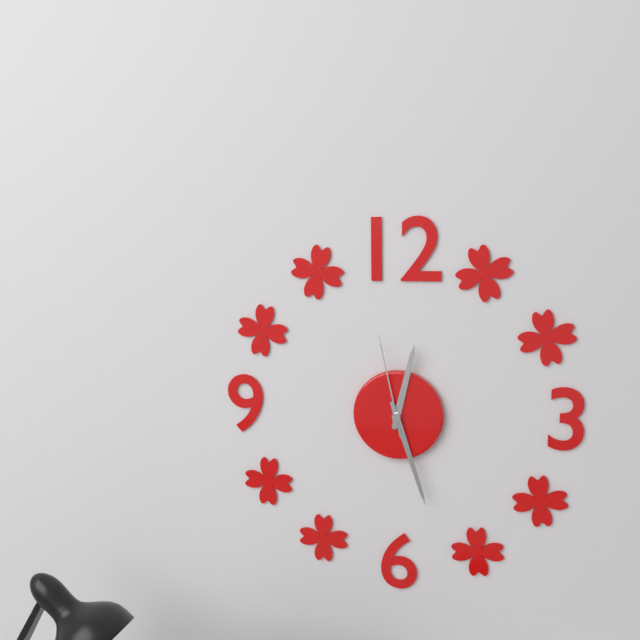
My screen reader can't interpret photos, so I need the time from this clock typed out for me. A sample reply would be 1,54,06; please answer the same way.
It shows 12,27,58
